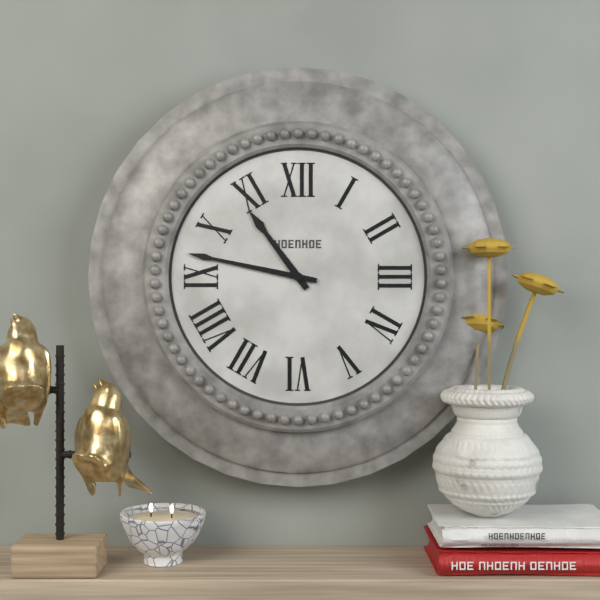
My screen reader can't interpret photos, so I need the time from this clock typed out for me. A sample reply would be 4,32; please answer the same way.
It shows 10,47
